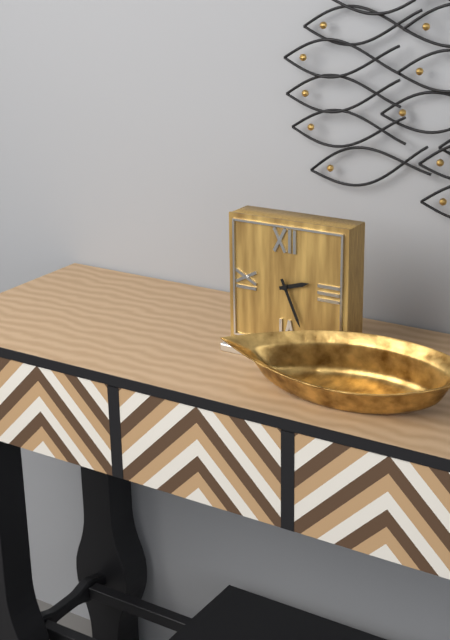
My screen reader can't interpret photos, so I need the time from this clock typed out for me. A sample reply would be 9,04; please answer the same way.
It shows 2,26
